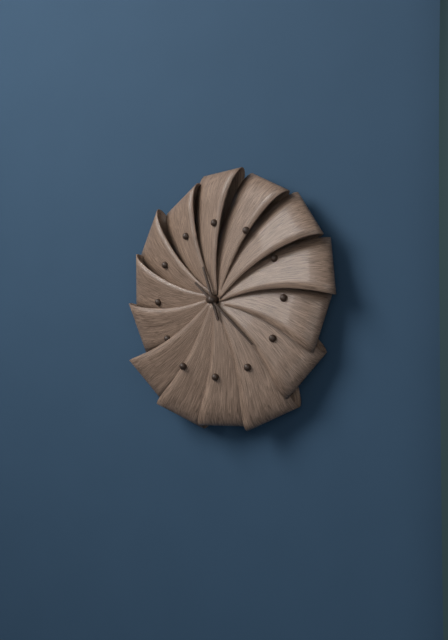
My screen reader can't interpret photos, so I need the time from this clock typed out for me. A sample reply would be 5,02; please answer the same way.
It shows 11,22
